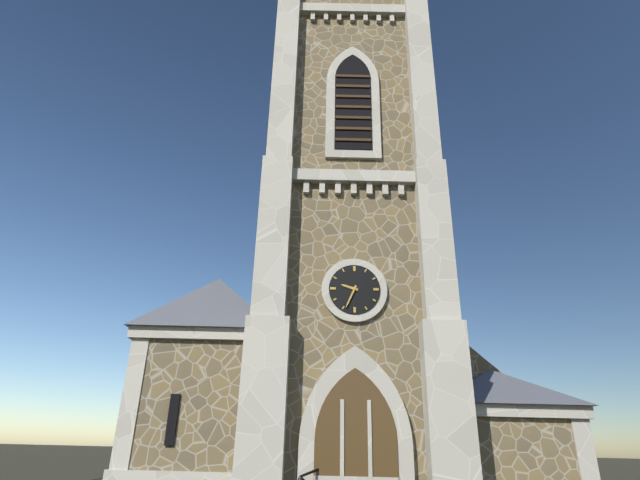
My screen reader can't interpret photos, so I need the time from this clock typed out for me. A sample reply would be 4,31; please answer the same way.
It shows 9,34
